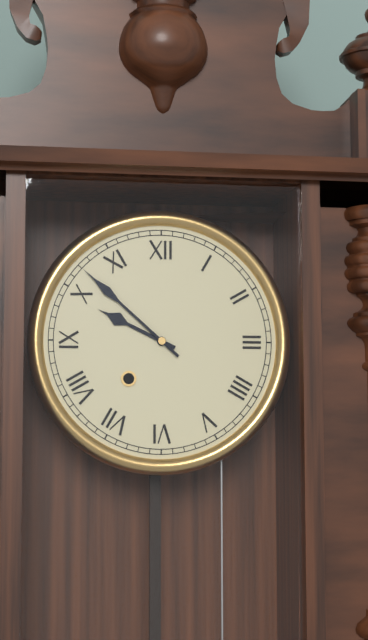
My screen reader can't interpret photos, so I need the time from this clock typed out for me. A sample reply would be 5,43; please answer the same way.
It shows 9,52
